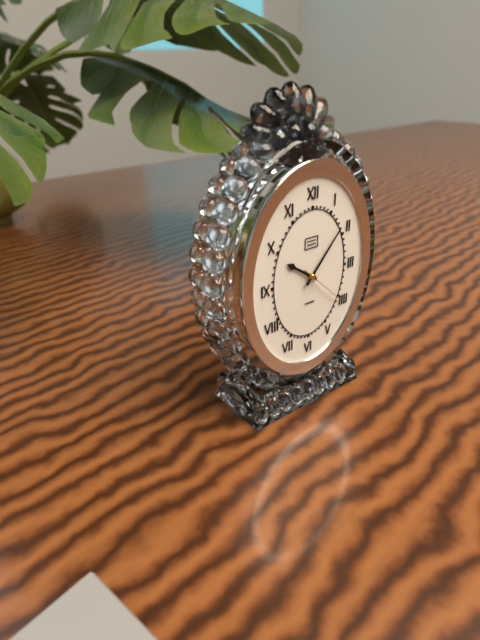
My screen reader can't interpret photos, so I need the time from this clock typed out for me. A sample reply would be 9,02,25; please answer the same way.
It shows 10,07,22
